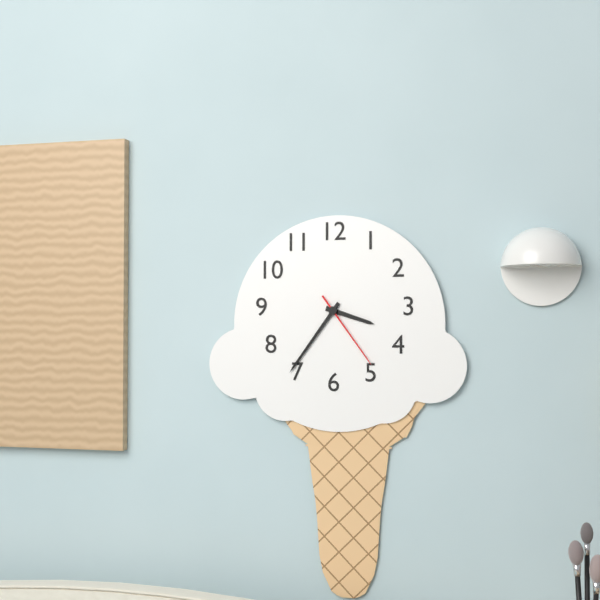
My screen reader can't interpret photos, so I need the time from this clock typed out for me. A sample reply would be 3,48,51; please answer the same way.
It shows 3,36,24
